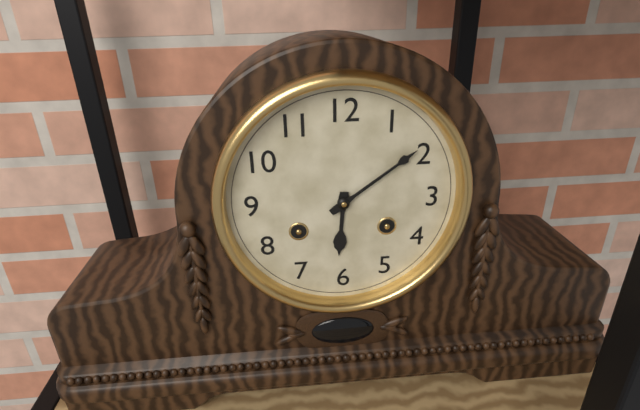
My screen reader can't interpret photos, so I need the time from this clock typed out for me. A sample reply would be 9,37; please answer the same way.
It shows 6,09
